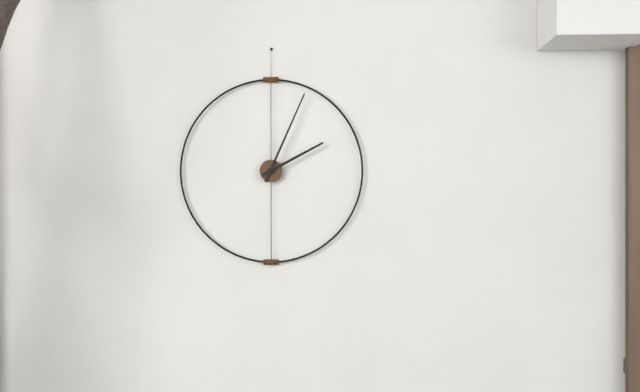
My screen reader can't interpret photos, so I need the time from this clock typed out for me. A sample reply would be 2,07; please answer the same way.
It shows 2,04
